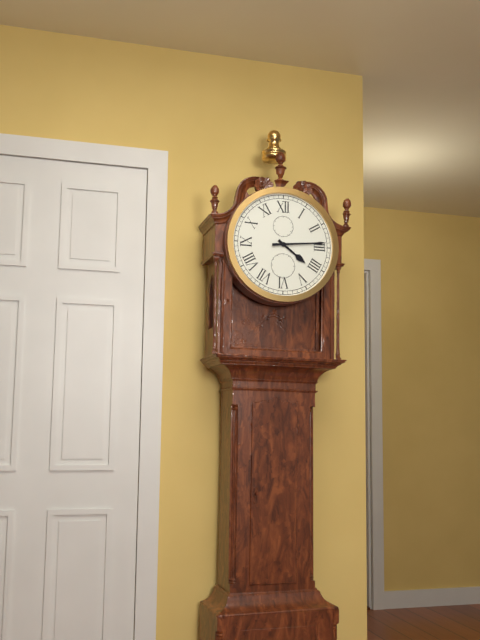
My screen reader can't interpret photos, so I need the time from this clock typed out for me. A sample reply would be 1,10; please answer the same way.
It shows 4,14
